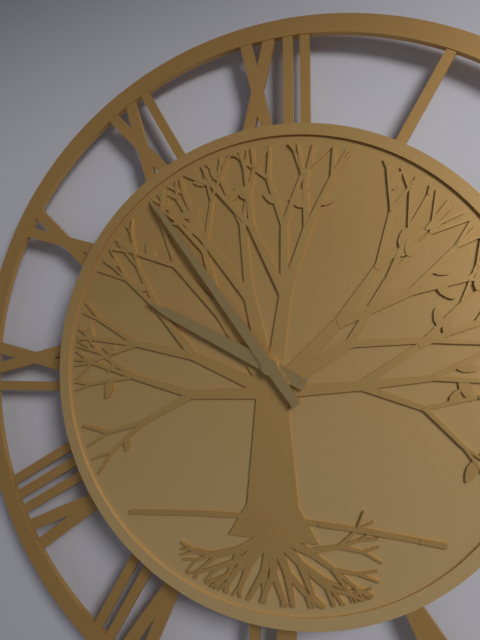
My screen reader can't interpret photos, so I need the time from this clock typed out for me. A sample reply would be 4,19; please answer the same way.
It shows 9,54
